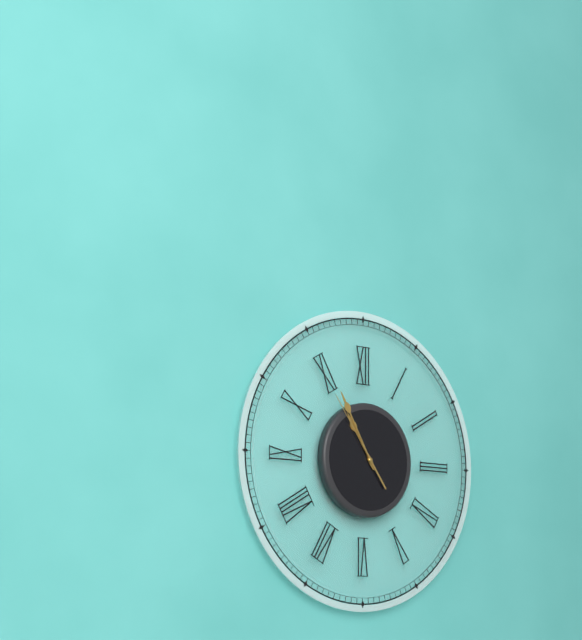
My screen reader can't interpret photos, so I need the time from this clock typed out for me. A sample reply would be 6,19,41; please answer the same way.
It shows 10,55,54
